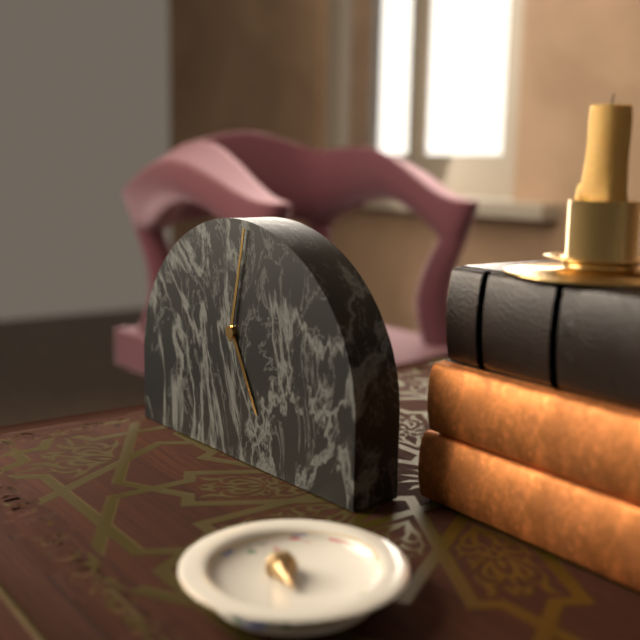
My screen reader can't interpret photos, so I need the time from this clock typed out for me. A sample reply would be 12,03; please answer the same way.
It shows 5,02
